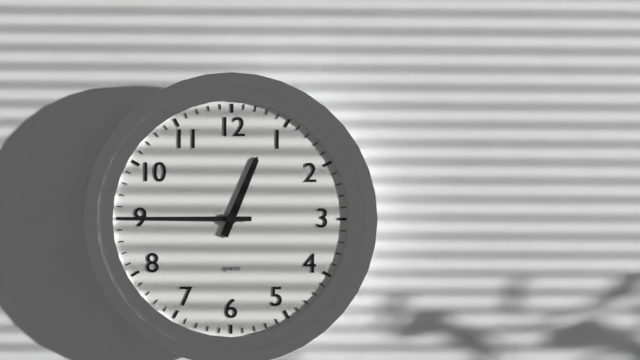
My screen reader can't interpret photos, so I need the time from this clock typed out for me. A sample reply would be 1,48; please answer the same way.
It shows 12,45
